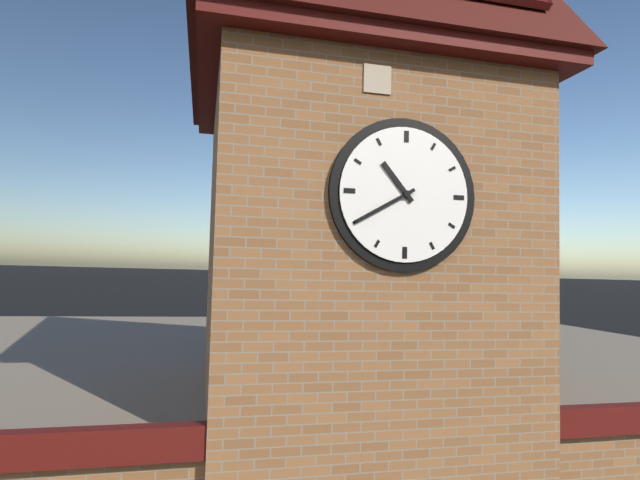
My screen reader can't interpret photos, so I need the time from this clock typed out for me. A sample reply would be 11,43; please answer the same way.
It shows 10,40
